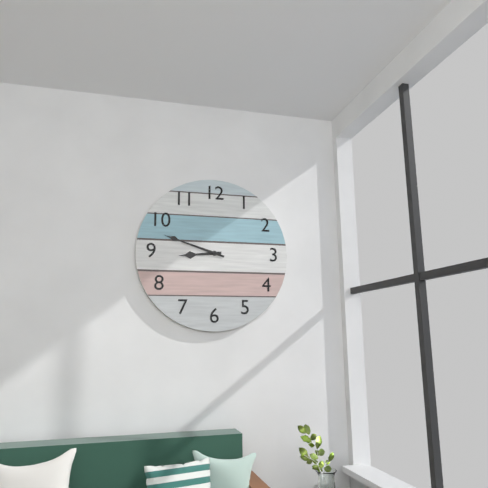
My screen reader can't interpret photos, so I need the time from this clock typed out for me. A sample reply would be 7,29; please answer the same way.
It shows 8,48
